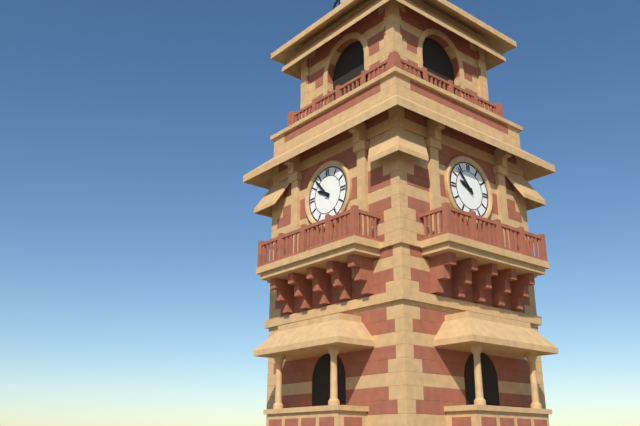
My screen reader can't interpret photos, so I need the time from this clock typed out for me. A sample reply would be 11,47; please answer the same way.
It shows 9,53
